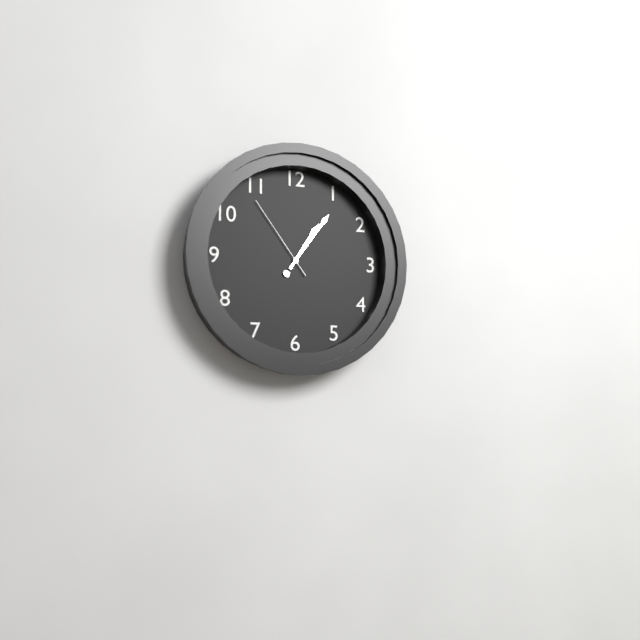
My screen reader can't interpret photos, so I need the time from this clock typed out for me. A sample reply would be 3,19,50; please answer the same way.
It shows 1,06,54
